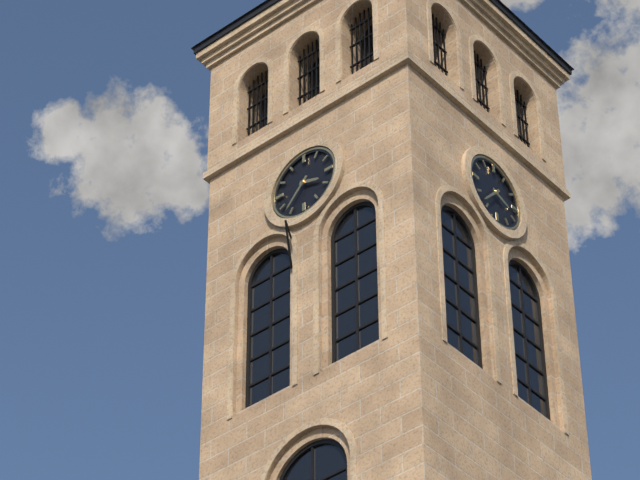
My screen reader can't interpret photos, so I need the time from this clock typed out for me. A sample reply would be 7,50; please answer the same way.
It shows 3,37
